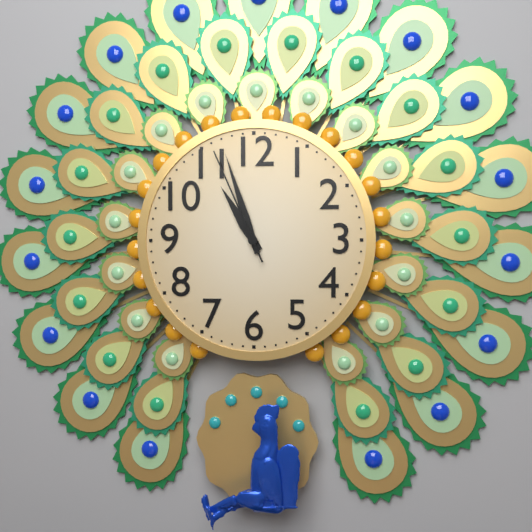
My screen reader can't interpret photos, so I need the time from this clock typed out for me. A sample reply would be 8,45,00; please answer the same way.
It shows 10,57,56
